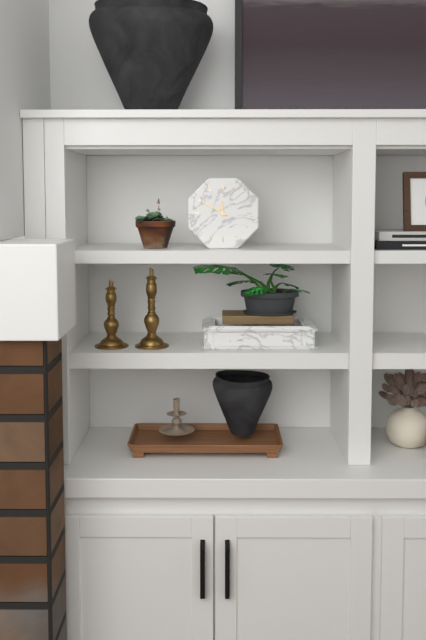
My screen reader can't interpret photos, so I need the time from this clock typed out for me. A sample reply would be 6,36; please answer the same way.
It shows 11,50
